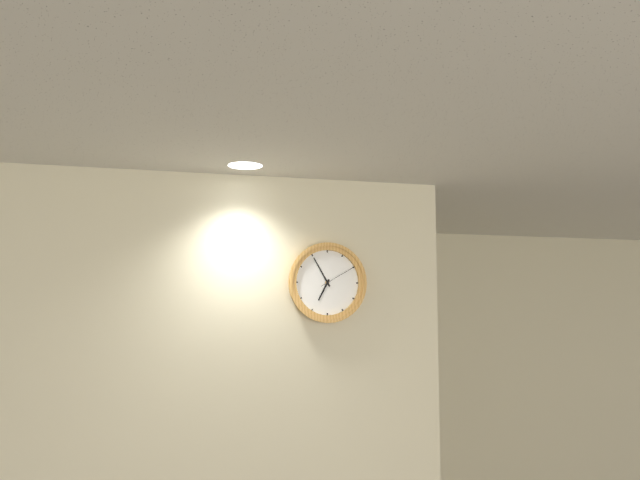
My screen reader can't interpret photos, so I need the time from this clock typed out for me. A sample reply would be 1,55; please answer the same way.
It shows 6,55
